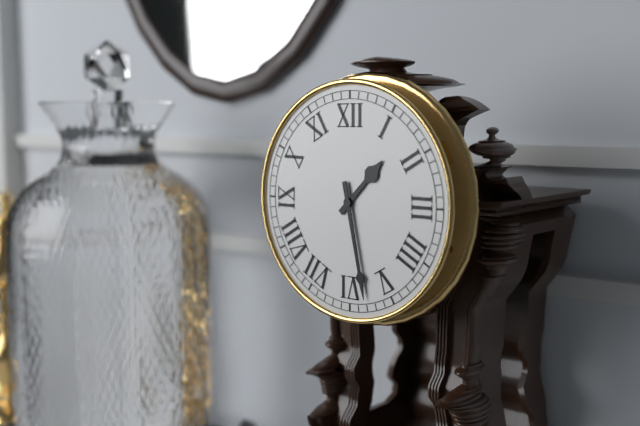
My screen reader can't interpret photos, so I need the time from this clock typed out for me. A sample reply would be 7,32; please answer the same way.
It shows 1,28
